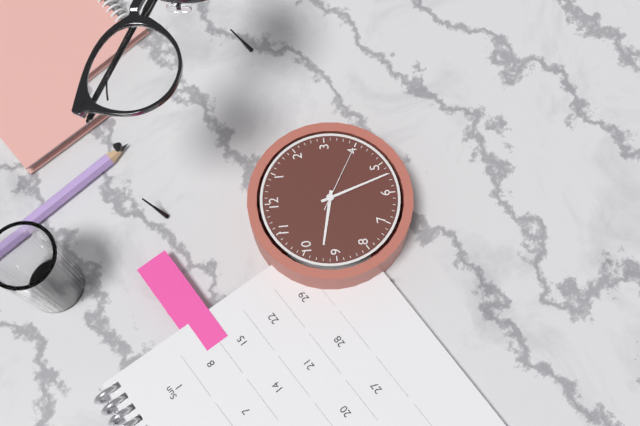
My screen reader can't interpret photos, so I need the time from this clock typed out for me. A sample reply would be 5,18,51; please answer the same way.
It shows 9,27,20
